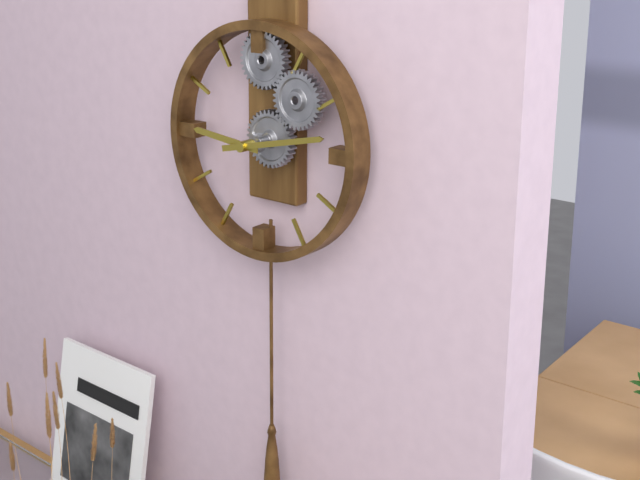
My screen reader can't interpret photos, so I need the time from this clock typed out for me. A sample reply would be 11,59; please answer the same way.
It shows 9,13
